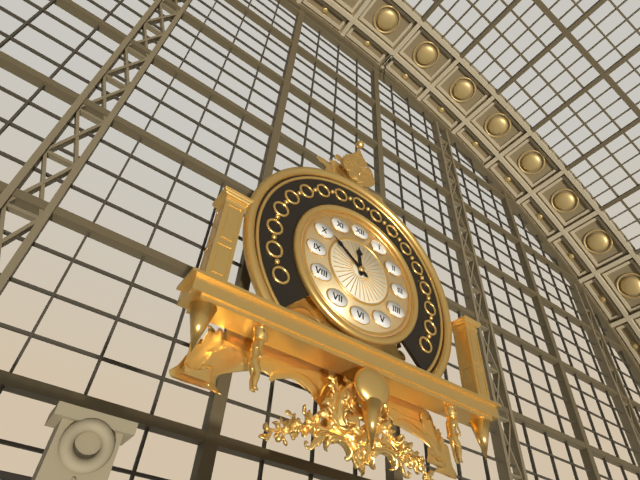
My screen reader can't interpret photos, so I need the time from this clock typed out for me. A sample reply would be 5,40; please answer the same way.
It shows 11,51
